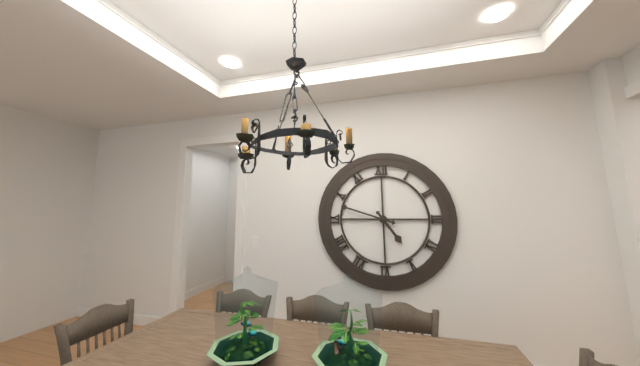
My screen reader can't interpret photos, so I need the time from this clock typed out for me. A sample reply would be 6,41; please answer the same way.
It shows 4,48
